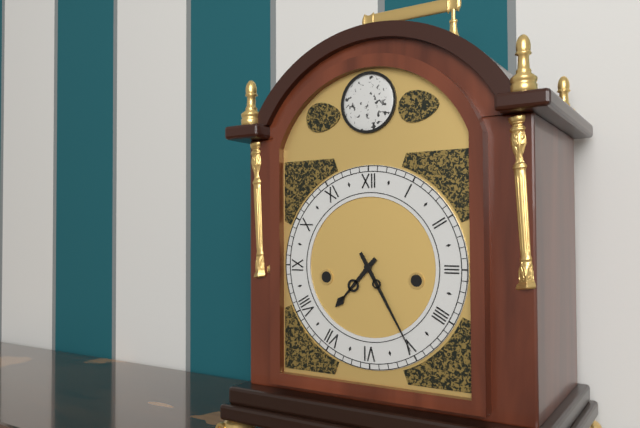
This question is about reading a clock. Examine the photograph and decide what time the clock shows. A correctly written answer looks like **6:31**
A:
**7:25**
